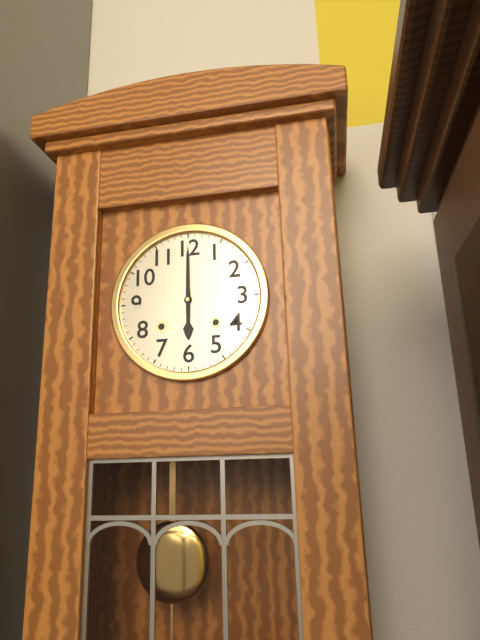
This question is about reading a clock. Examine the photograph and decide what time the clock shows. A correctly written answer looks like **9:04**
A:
**6:00**
